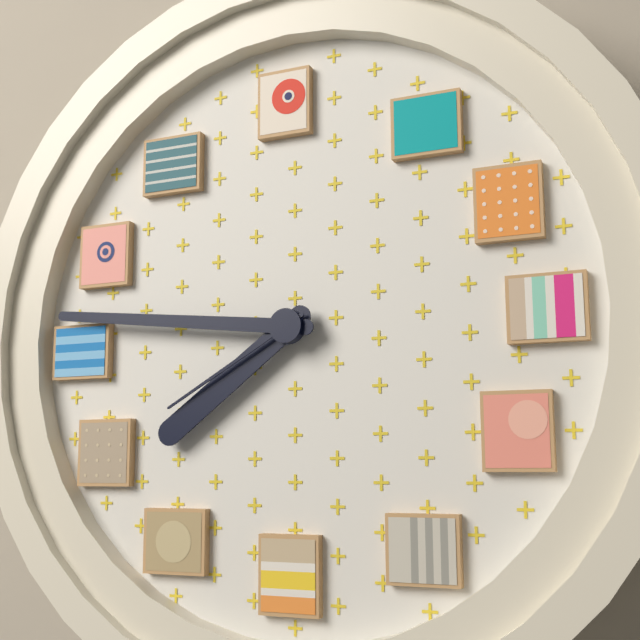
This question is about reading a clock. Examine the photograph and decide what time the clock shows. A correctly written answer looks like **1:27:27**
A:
**7:46:40**
